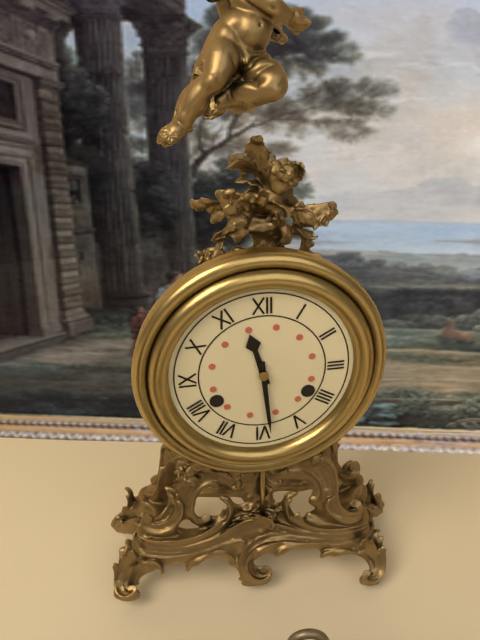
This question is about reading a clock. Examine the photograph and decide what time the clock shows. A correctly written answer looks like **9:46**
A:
**11:29**
